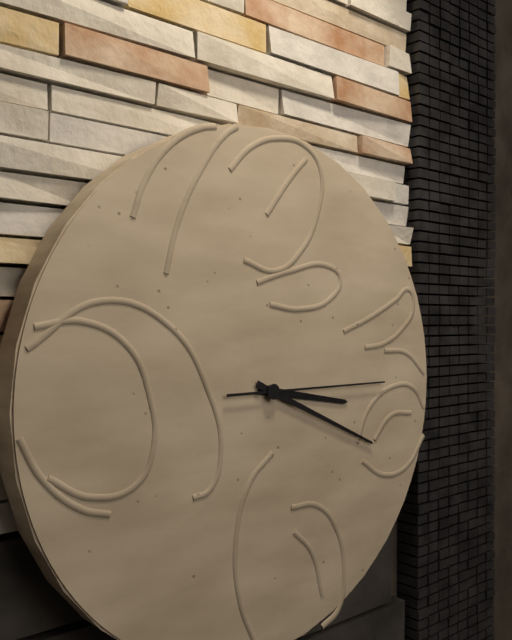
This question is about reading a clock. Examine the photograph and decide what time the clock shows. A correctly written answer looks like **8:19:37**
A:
**3:19:15**
